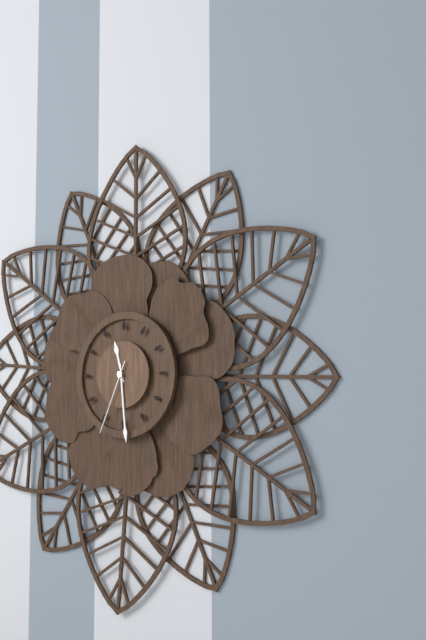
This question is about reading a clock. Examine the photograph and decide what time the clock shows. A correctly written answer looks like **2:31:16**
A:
**11:29:34**
